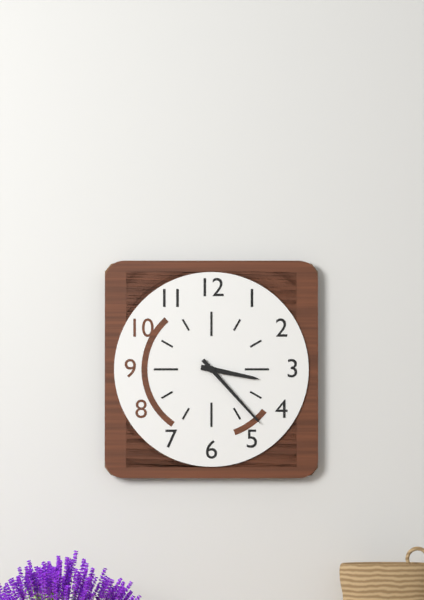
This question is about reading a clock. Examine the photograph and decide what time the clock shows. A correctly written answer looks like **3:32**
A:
**3:23**
